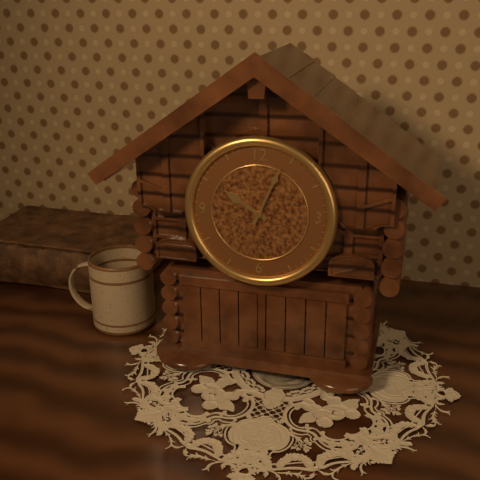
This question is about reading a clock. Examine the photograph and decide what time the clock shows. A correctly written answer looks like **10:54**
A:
**10:04**
